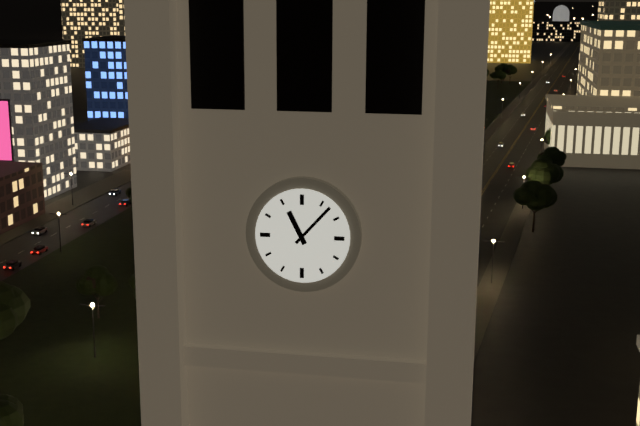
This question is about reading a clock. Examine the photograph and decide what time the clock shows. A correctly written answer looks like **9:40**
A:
**11:07**
